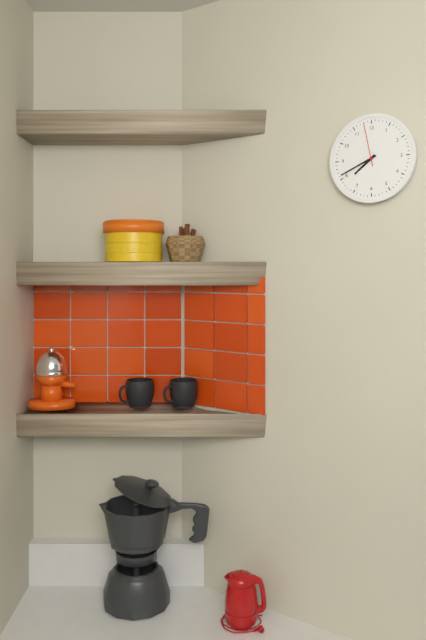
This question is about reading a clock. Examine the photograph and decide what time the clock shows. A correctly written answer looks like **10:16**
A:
**7:41**
